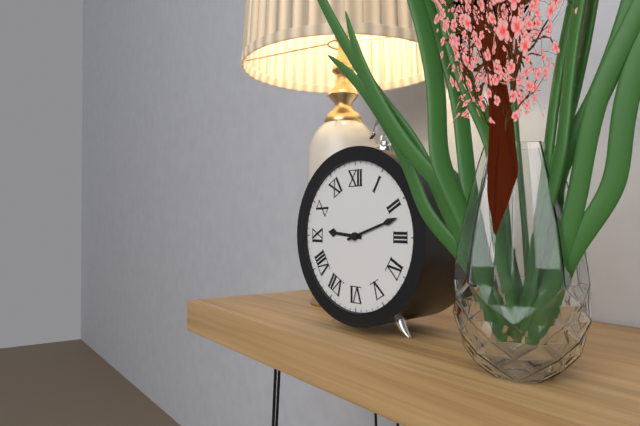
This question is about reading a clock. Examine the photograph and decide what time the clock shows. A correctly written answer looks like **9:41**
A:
**9:12**
